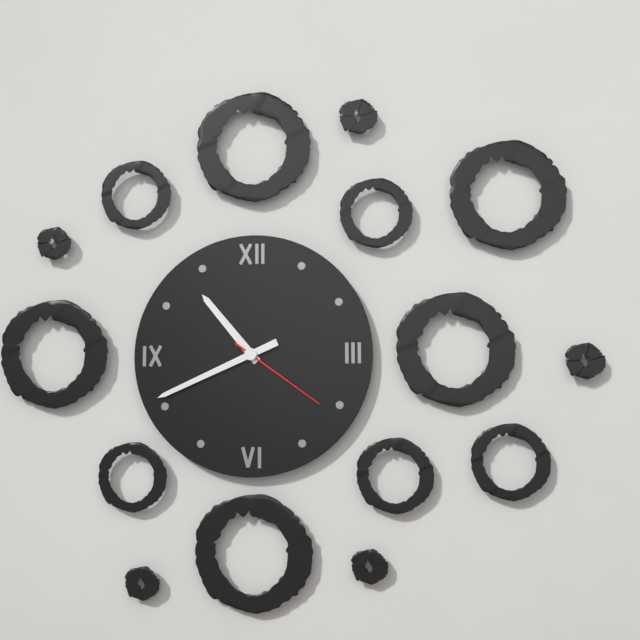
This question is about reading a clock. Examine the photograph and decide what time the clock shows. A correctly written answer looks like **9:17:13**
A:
**10:41:21**
